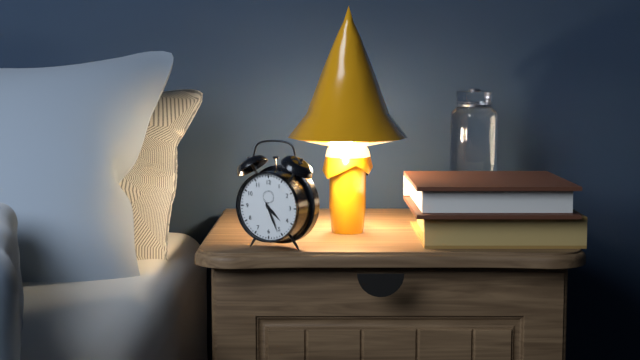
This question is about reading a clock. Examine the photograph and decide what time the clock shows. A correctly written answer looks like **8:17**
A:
**4:26**
